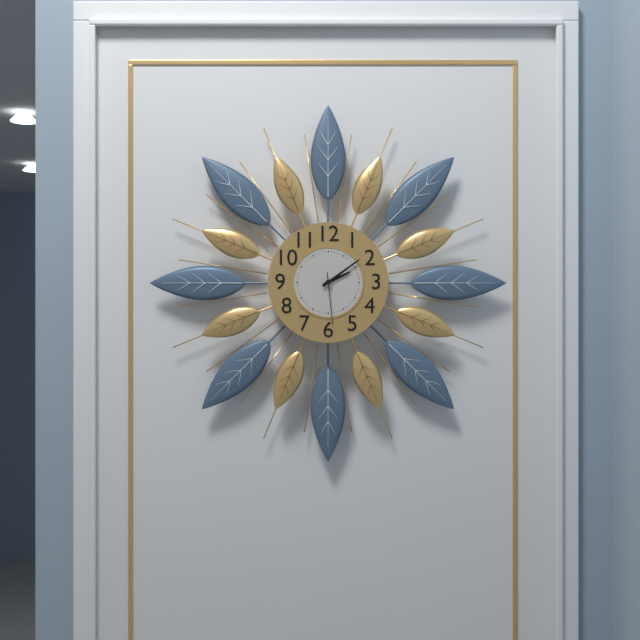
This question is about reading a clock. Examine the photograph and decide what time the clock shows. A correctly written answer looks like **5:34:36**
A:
**2:09:29**
